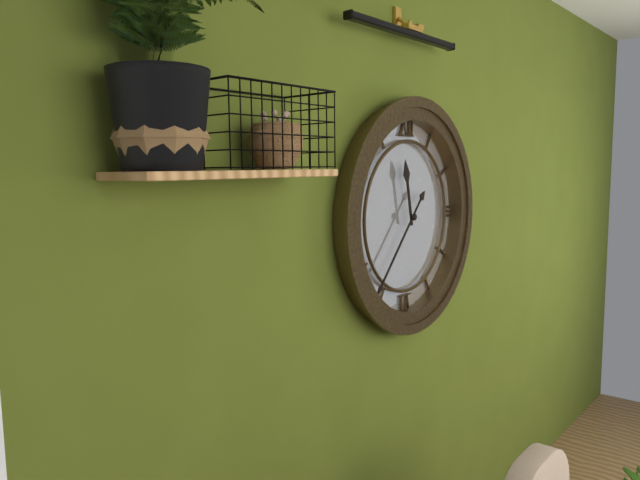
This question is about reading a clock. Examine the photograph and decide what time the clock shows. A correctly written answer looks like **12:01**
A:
**11:37**
